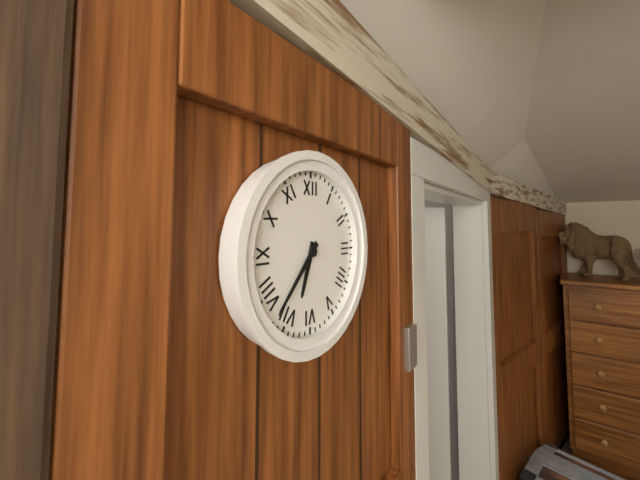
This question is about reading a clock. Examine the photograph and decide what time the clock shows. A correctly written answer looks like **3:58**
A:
**6:37**
